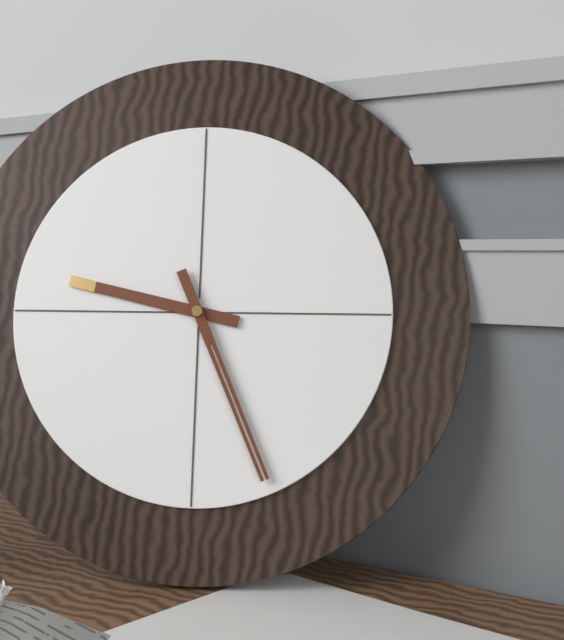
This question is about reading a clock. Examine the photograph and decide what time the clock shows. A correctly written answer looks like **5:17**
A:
**9:26**
